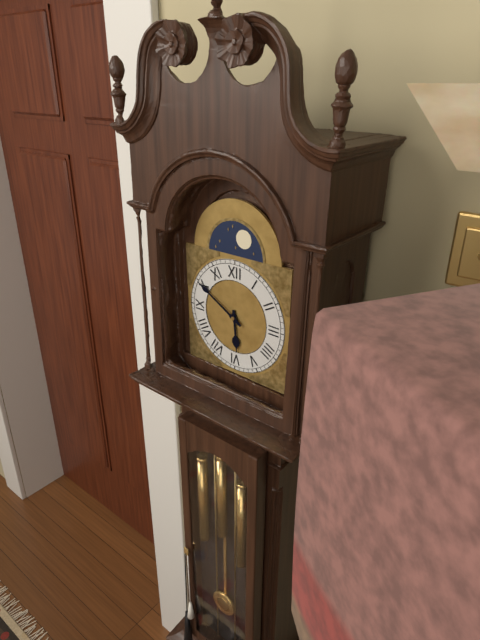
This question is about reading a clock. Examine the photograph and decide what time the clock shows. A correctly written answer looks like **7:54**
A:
**5:50**
